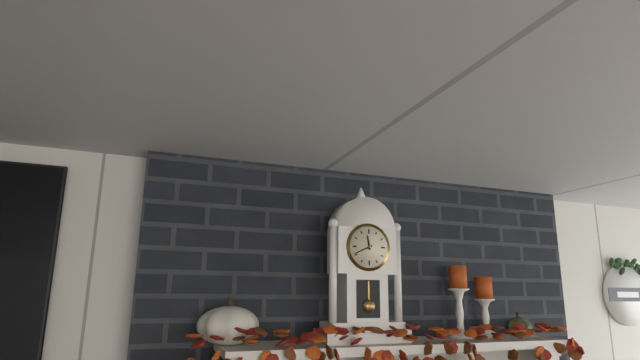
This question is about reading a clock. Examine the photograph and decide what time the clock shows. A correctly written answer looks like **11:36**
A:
**11:41**
